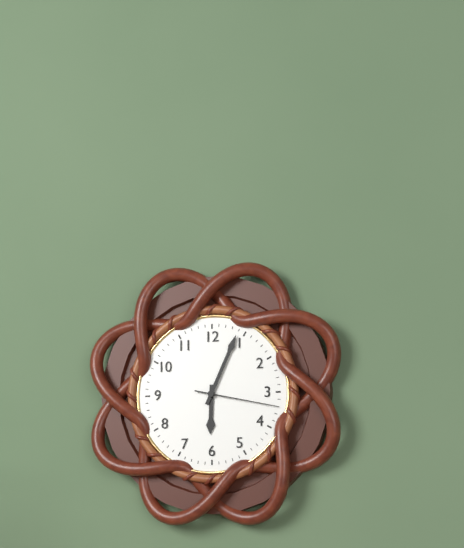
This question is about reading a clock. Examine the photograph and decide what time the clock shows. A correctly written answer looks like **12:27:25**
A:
**6:04:17**
